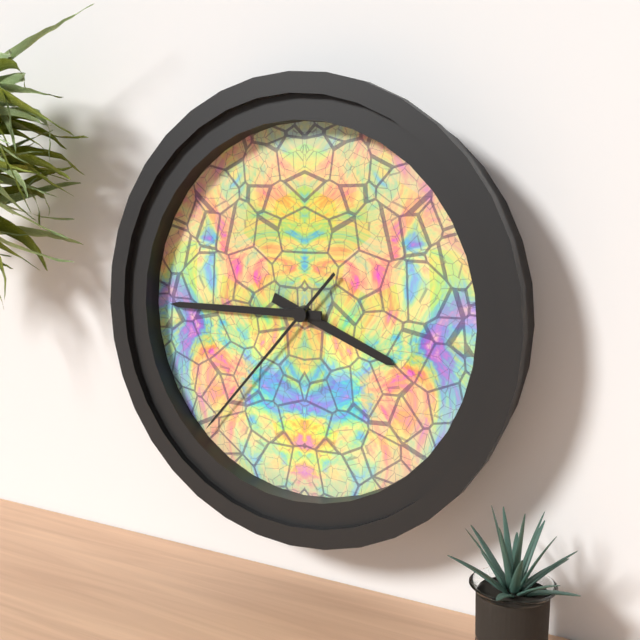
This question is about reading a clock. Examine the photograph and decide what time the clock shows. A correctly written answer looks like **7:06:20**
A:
**3:45:37**
